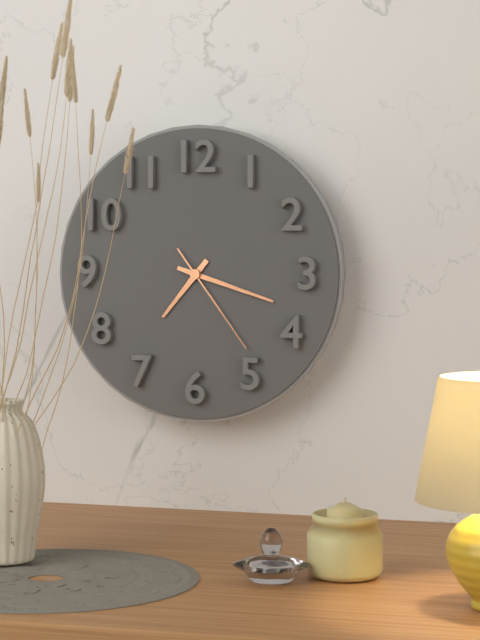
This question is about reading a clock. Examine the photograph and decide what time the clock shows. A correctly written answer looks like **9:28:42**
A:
**7:18:24**
